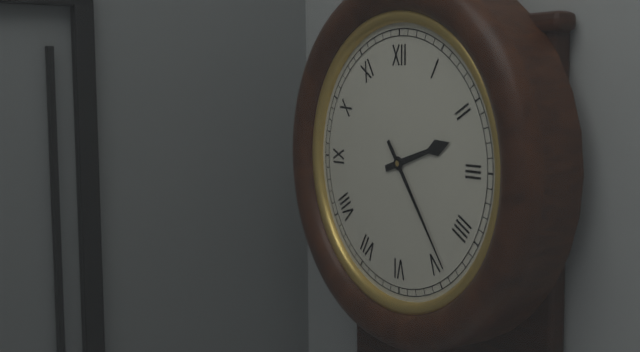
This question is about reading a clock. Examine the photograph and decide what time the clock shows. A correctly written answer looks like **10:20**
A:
**2:24**
